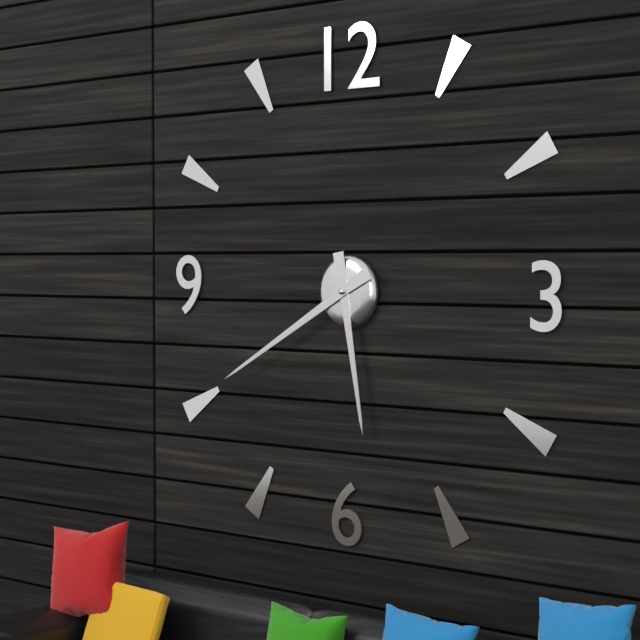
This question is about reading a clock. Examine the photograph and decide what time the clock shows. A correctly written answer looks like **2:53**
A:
**5:40**
